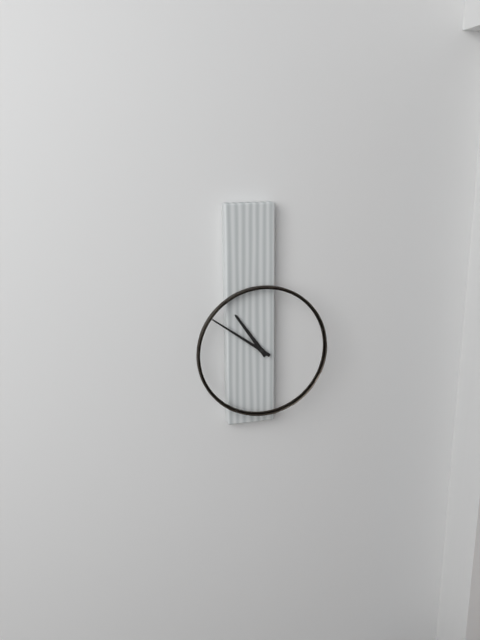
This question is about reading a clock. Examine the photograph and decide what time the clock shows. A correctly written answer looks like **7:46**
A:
**10:51**
